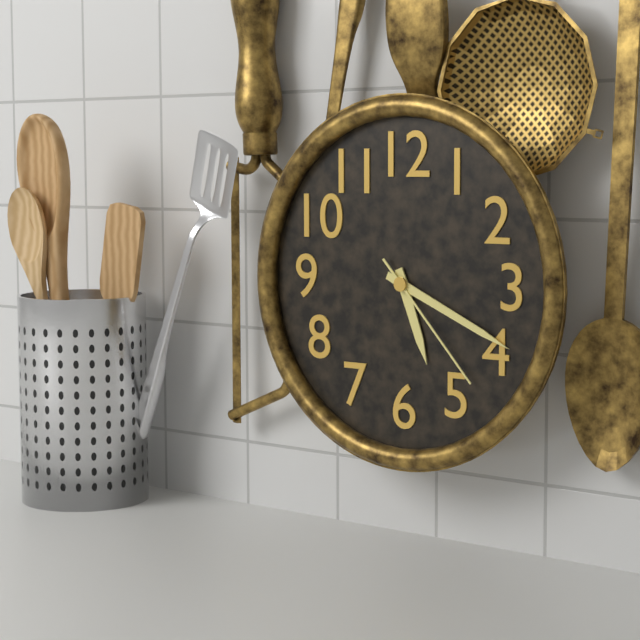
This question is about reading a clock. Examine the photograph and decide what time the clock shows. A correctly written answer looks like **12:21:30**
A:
**5:19:23**
